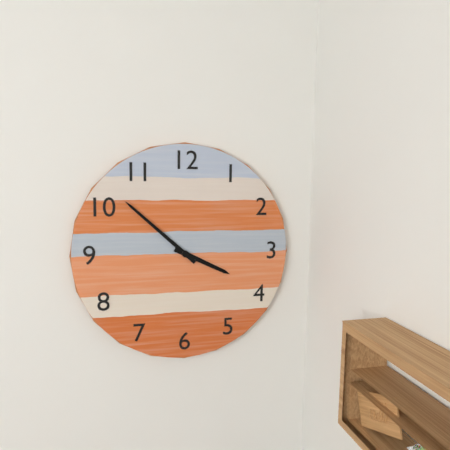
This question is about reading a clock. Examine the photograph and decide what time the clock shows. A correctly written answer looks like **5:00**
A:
**3:52**
